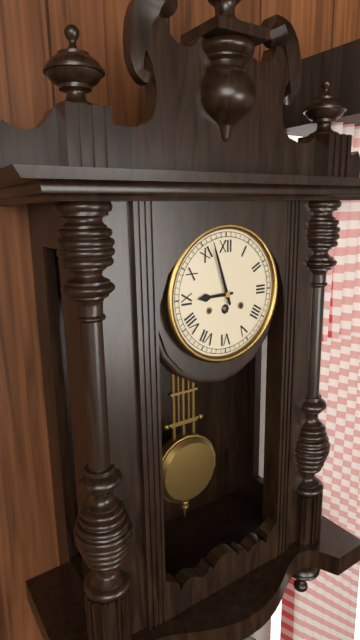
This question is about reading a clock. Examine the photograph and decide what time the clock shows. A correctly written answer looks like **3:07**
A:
**8:57**
